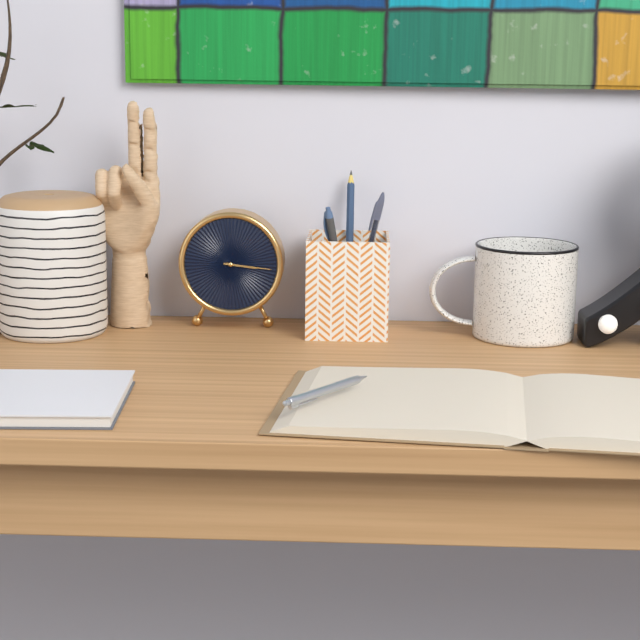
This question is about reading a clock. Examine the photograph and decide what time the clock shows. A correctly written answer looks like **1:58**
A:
**3:16**
